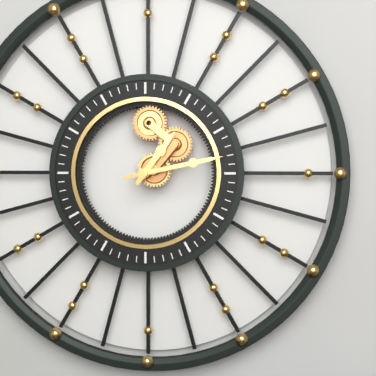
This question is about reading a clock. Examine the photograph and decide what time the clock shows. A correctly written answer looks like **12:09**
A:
**1:13**
